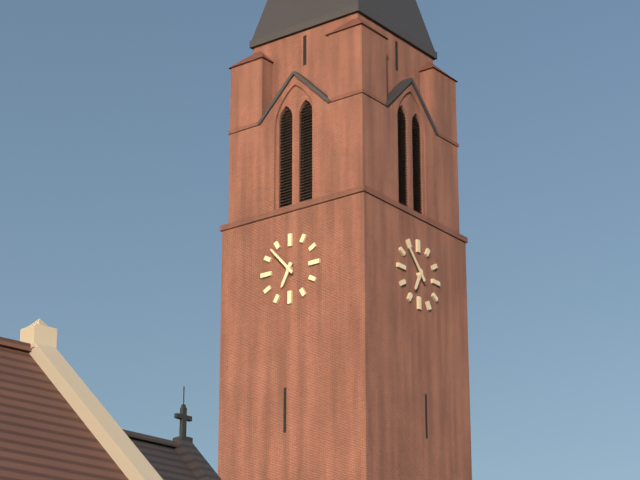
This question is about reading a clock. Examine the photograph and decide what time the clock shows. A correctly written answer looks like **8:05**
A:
**6:53**
